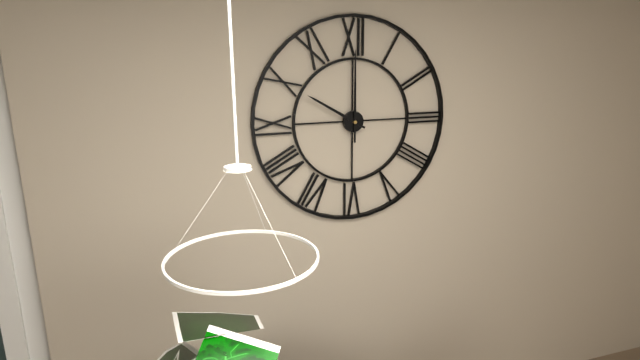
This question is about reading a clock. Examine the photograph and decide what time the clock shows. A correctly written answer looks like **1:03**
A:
**10:00**
